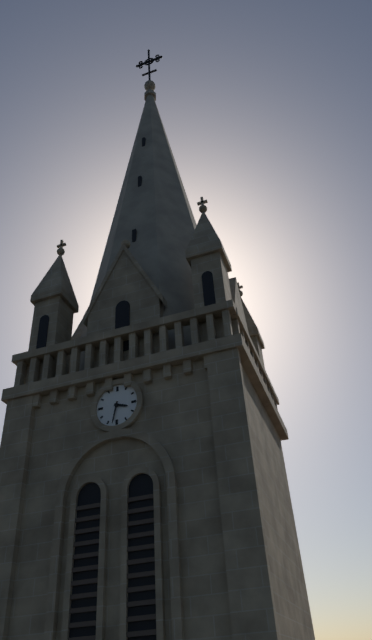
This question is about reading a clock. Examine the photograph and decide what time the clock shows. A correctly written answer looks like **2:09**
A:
**3:32**
